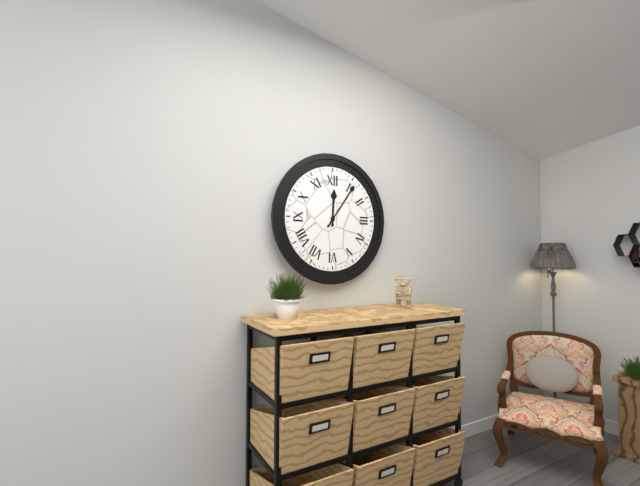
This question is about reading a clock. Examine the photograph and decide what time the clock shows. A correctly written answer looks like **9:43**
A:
**12:06**
